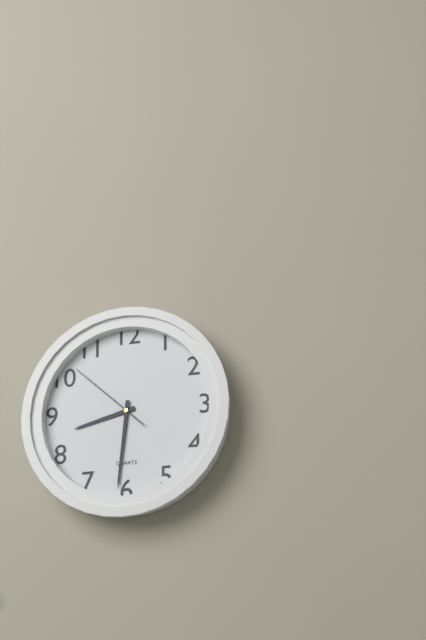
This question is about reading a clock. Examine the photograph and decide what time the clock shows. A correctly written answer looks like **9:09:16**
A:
**8:31:52**
